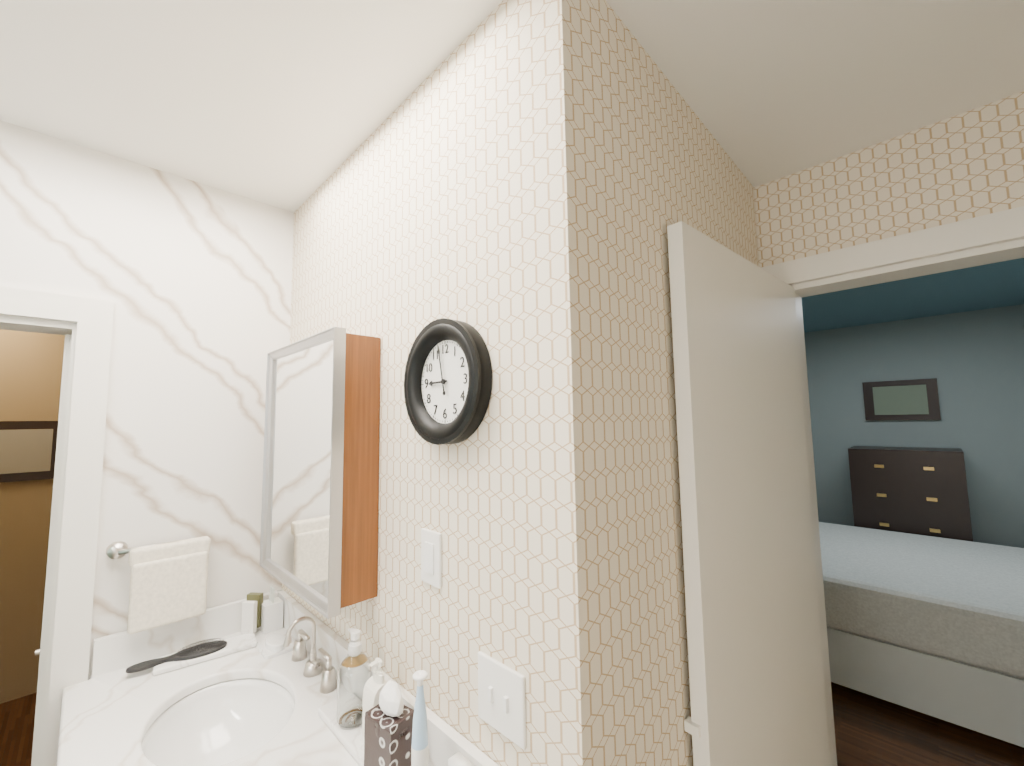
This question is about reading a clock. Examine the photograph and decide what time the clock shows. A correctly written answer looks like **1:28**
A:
**8:58**
